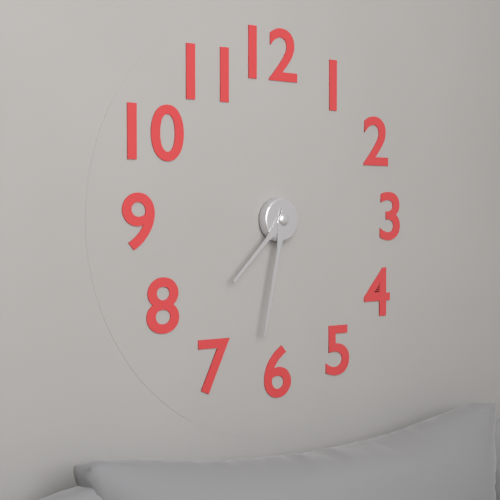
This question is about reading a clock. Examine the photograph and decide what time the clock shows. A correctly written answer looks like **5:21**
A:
**7:32**
